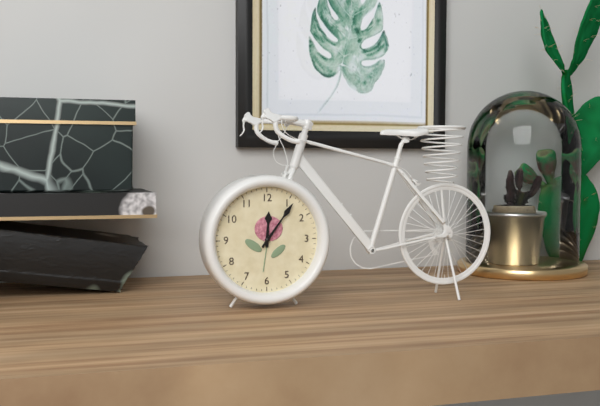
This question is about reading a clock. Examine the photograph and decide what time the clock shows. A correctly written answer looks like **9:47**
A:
**12:06**
